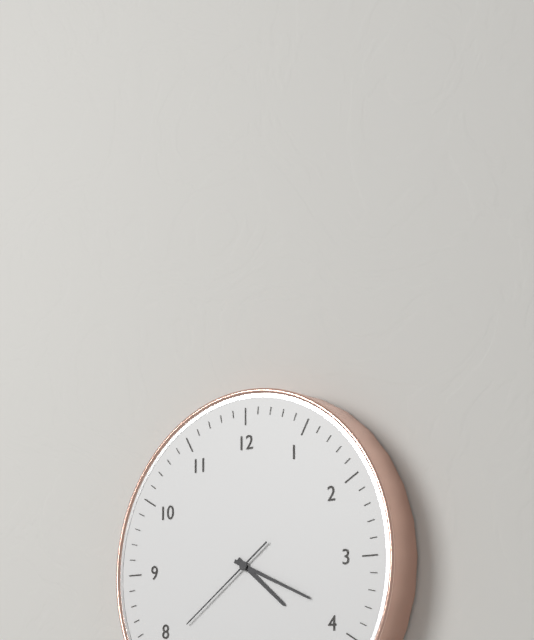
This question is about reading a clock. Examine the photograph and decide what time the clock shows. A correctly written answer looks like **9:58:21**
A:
**4:19:39**
